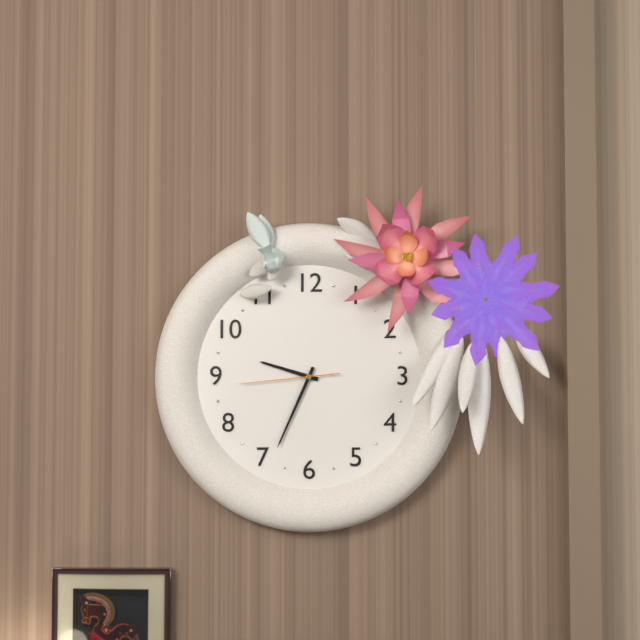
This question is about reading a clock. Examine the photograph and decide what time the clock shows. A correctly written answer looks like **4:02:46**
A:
**9:34:44**
